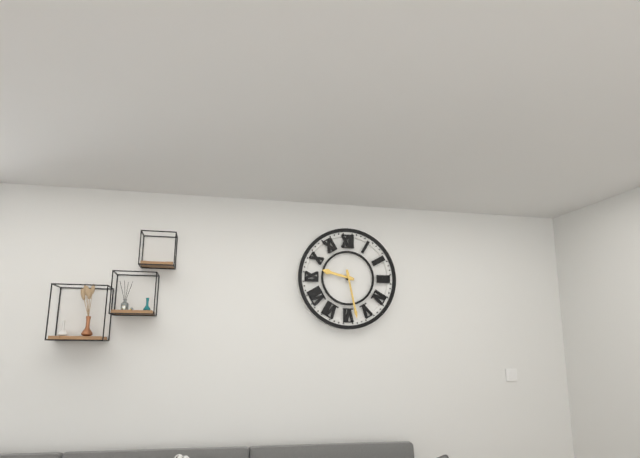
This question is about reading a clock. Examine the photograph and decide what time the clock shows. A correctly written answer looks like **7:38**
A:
**9:28**
